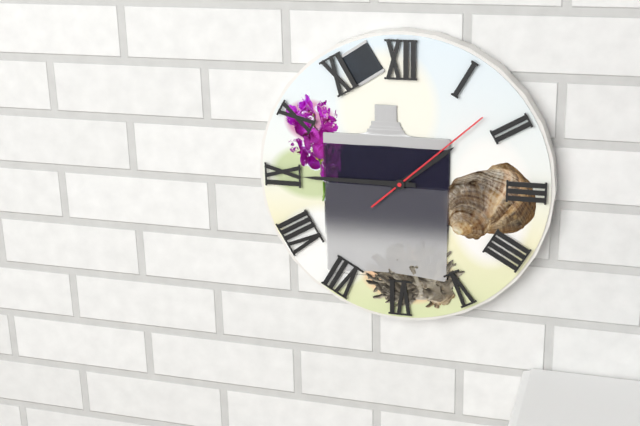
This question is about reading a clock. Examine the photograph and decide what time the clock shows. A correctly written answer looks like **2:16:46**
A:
**1:45:08**
